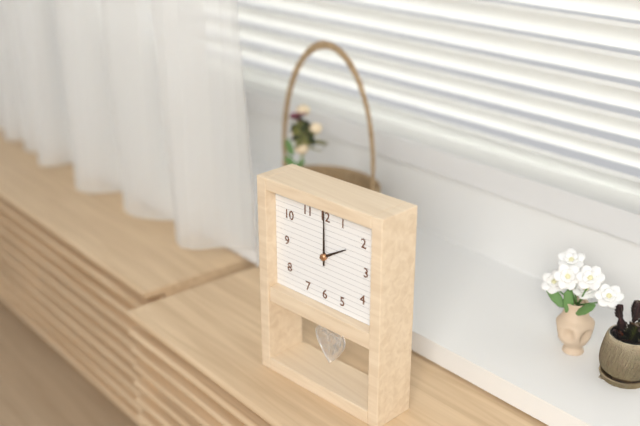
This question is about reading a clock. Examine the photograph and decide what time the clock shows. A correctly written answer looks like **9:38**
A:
**2:00**
